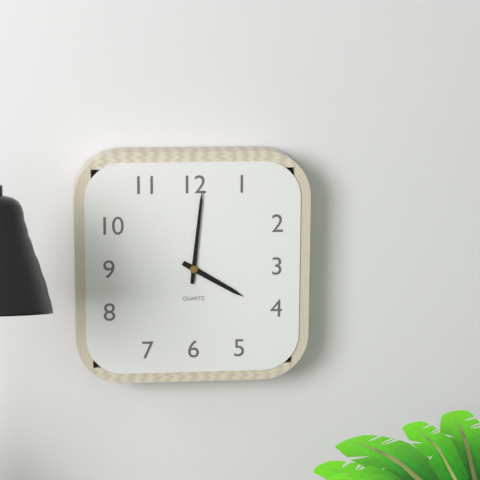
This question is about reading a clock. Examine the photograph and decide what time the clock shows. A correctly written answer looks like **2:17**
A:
**4:01**
